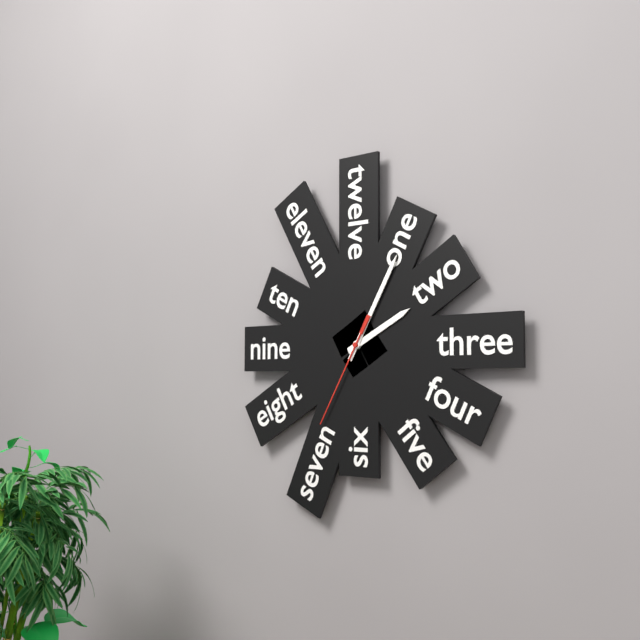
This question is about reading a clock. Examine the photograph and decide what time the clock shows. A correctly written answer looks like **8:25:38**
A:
**2:05:35**
